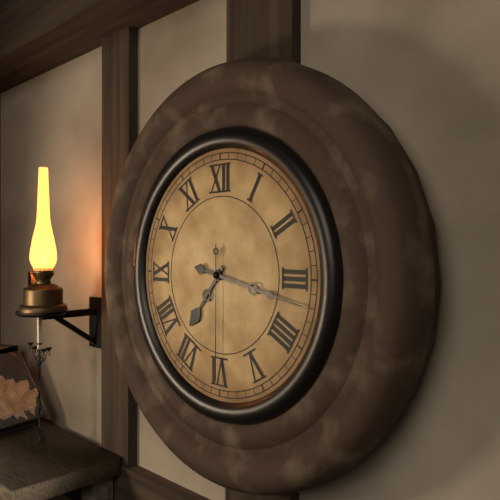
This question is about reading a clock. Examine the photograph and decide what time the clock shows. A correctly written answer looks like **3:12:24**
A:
**7:17:30**
